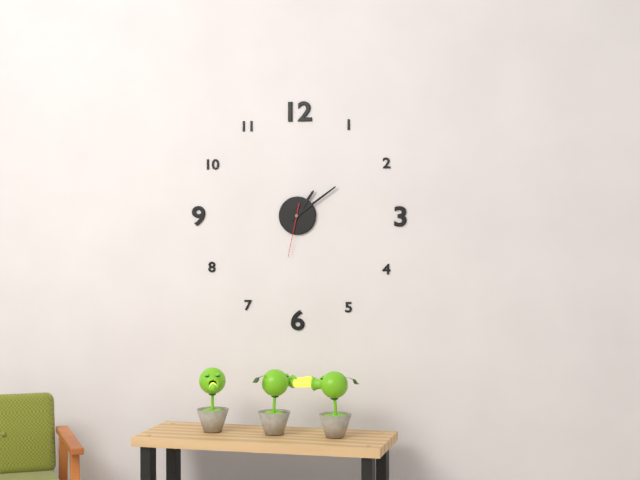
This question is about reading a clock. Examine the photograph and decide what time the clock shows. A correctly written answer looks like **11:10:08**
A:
**1:09:32**
